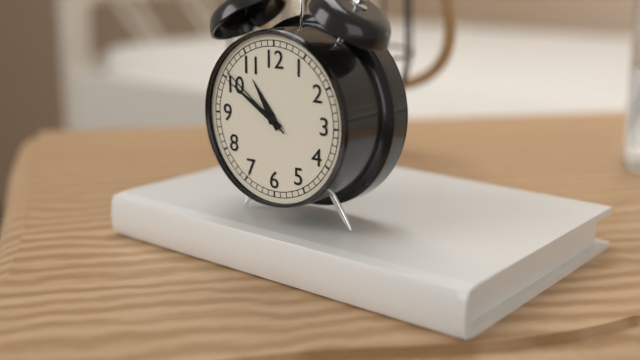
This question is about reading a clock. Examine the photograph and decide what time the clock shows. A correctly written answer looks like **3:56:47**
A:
**10:50:51**
